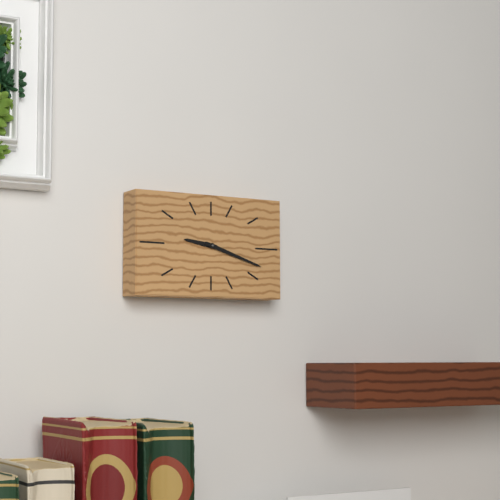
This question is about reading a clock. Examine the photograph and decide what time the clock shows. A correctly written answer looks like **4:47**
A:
**9:18**
